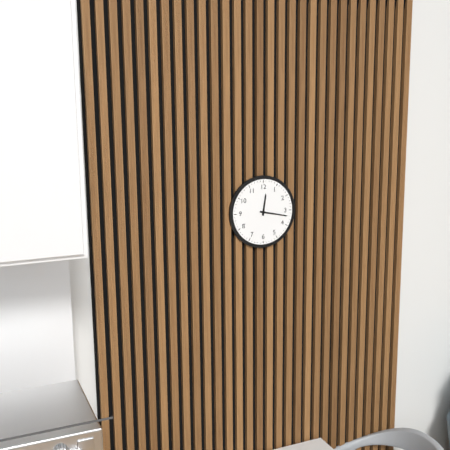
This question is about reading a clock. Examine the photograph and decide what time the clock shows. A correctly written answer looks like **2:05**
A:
**12:17**
